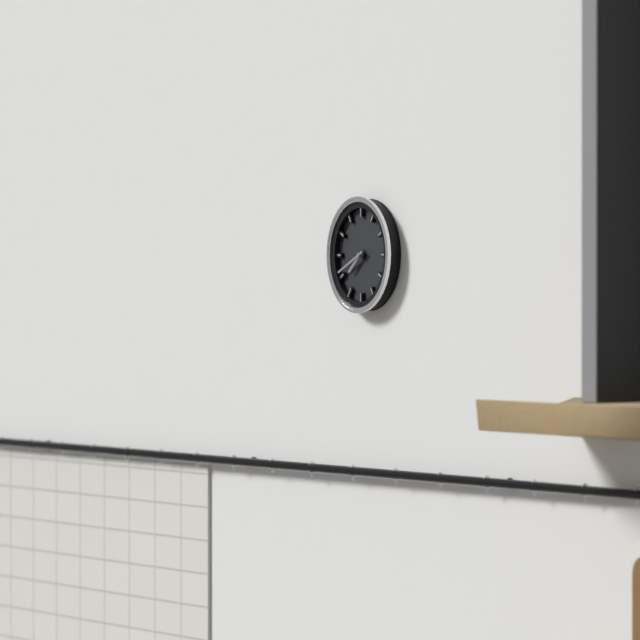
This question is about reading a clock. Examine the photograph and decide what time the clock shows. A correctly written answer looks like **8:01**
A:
**7:41**
